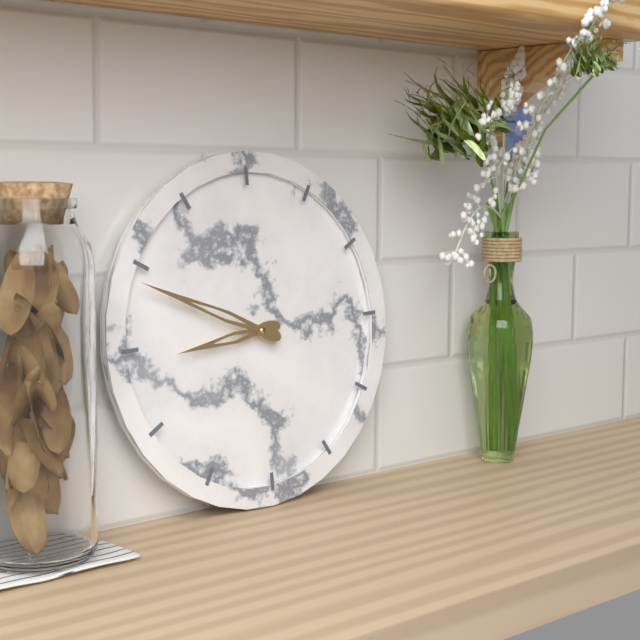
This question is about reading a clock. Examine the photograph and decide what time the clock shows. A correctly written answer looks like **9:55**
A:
**8:49**
